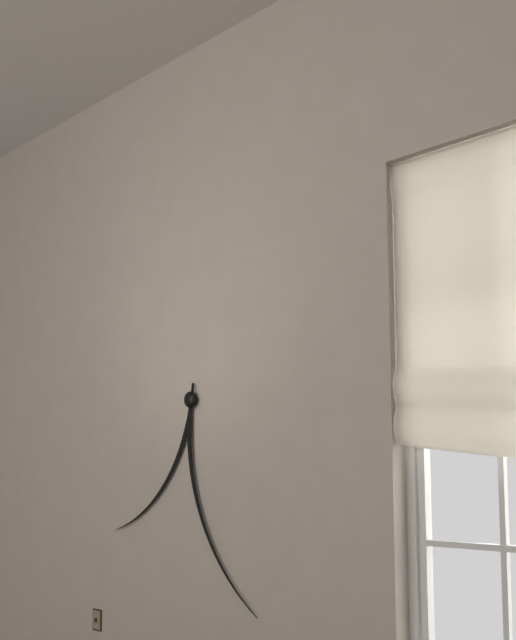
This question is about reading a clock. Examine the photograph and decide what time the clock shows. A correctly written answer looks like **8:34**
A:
**7:26**
